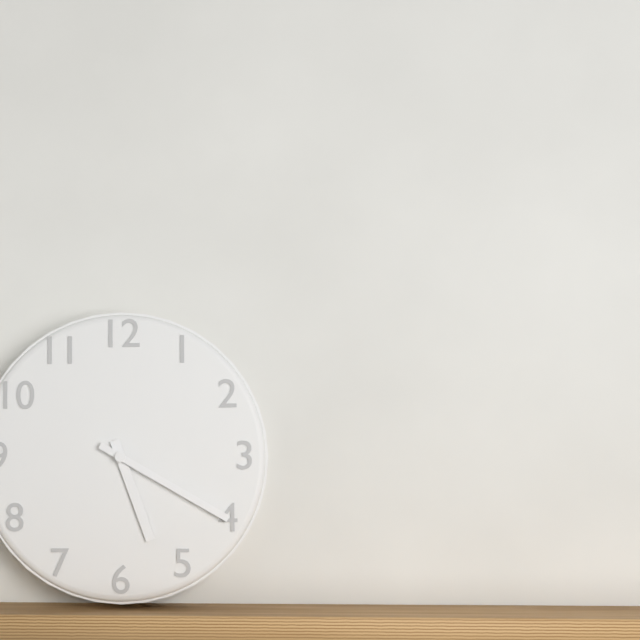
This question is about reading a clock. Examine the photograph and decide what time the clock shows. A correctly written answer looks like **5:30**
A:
**5:20**
